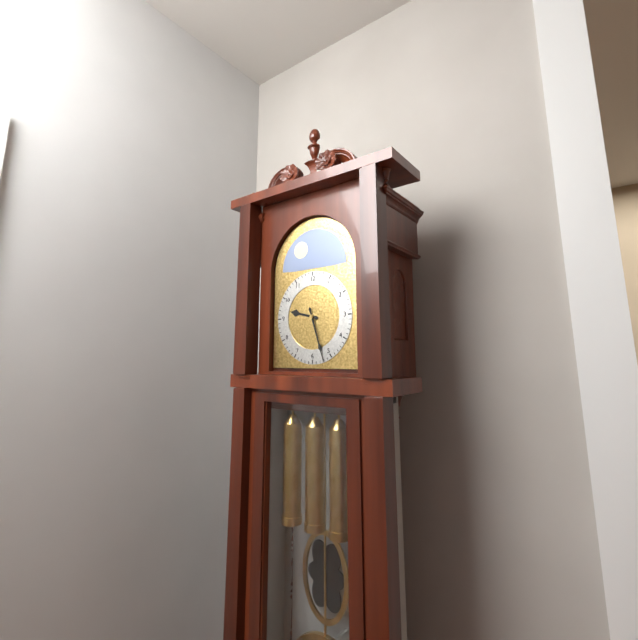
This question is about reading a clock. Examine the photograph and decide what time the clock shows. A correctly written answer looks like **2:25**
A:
**9:27**
